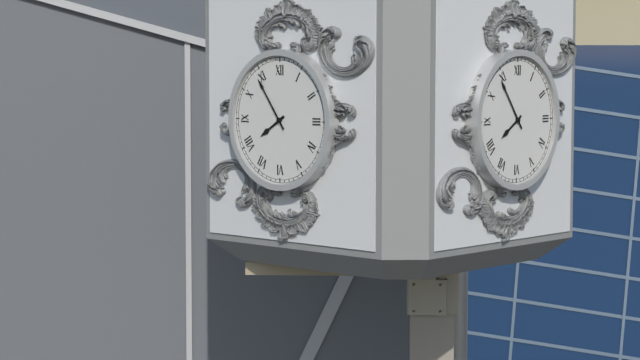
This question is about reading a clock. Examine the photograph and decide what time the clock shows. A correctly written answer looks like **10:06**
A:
**7:54**
